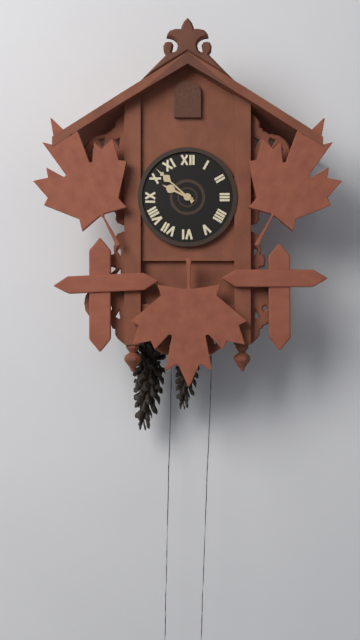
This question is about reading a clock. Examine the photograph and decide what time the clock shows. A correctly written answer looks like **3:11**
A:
**9:52**
